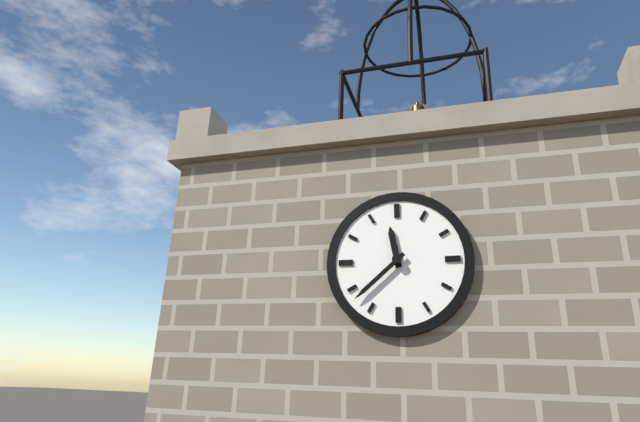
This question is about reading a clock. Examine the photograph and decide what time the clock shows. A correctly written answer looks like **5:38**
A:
**11:38**
